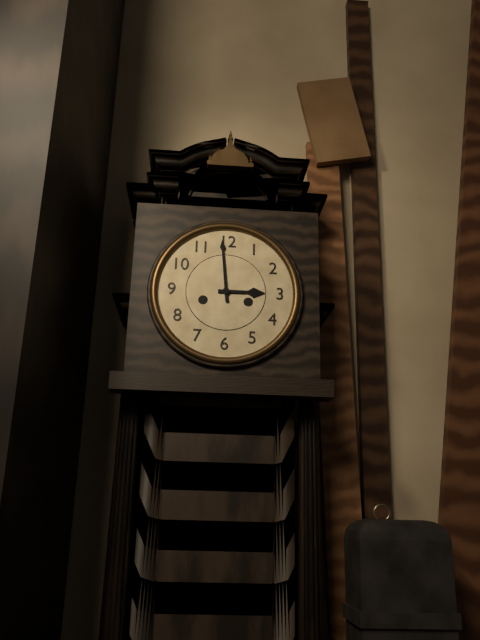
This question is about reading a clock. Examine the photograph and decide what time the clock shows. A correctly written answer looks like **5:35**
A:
**2:59**
